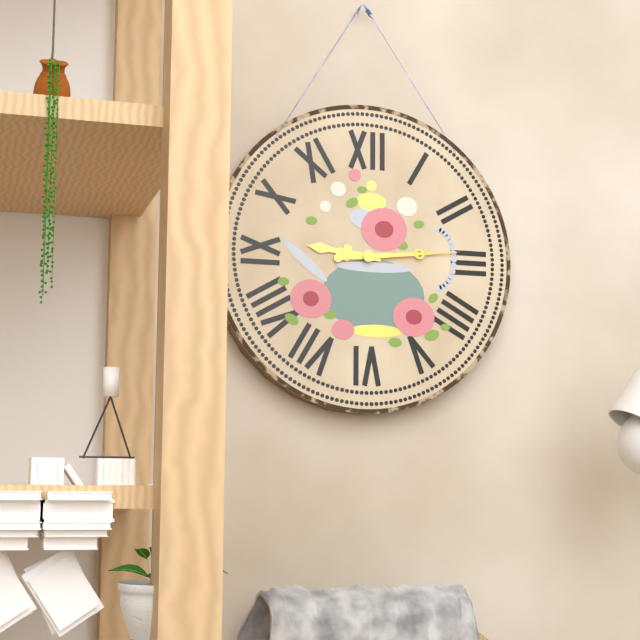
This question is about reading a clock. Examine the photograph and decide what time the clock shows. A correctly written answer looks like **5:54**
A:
**9:14**
